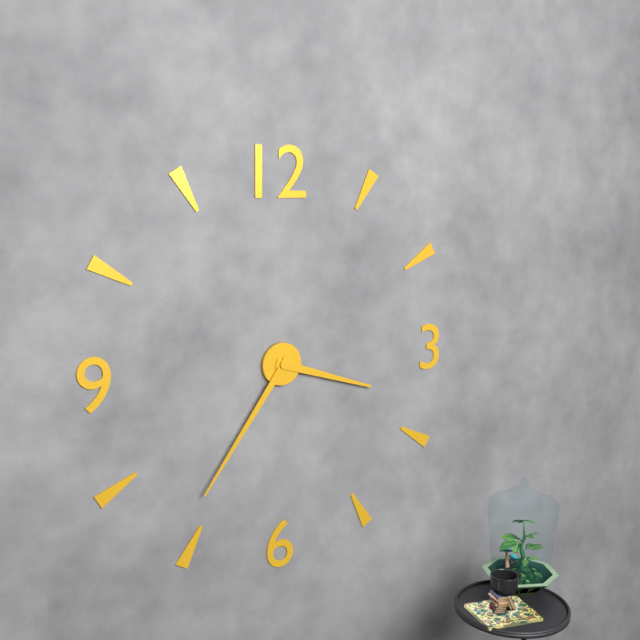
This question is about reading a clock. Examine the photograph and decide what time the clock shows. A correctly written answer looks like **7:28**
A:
**3:36**
